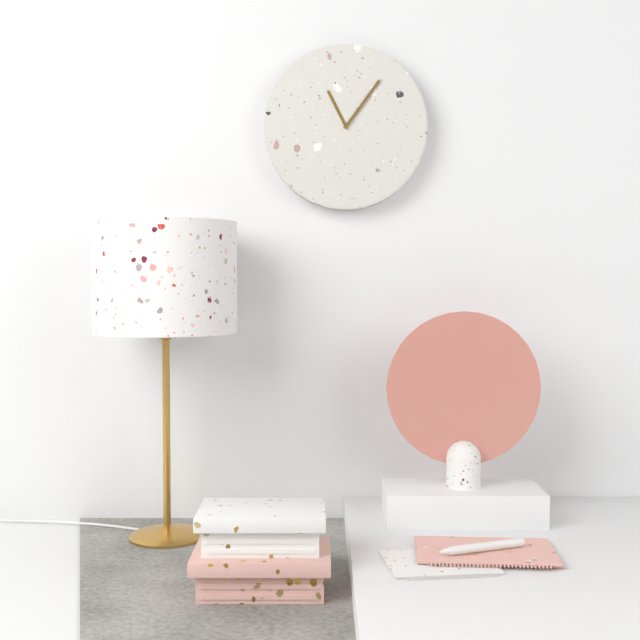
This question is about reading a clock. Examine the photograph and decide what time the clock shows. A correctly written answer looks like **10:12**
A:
**11:06**
